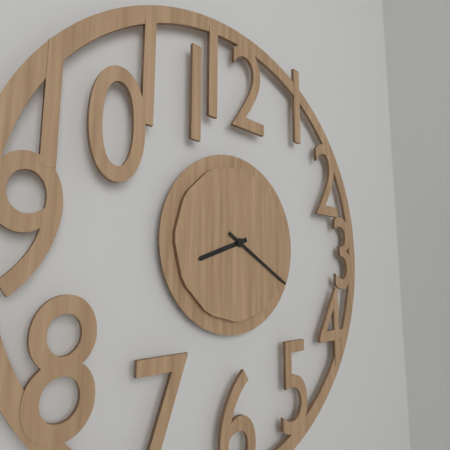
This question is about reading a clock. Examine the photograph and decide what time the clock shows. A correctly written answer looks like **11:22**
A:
**8:20**
